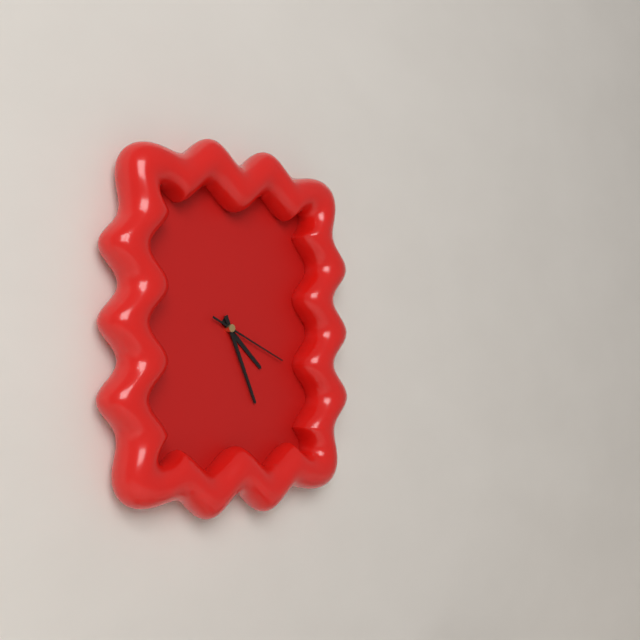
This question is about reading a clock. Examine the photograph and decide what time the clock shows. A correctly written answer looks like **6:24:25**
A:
**4:26:19**
